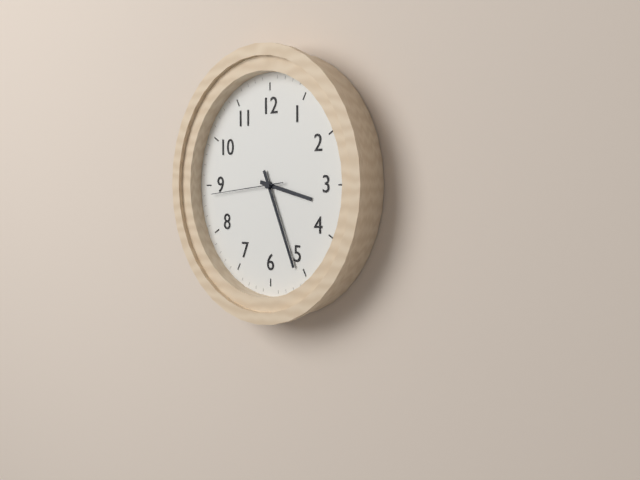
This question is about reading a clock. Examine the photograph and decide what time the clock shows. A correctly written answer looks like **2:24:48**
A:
**3:26:44**
